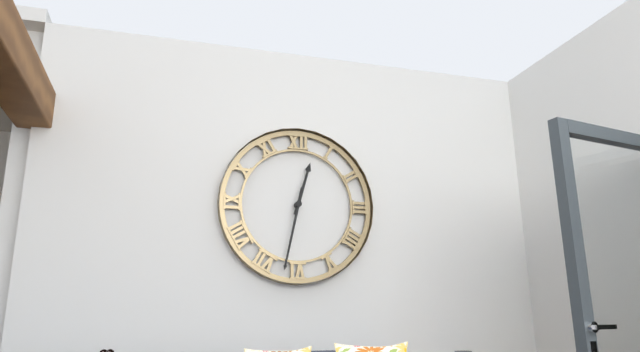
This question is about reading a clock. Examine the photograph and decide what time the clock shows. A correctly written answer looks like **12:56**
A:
**12:32**
